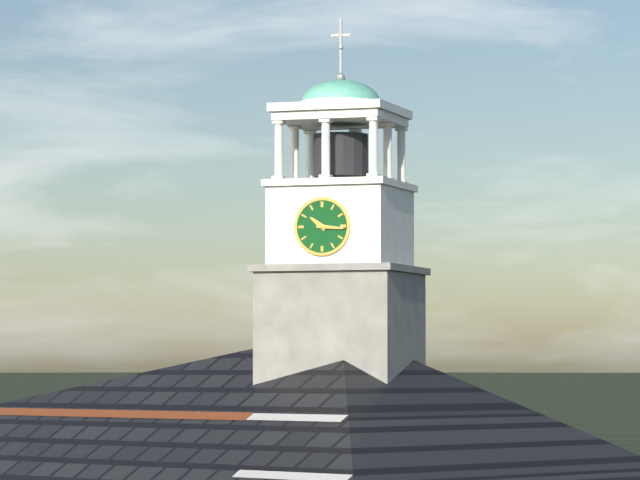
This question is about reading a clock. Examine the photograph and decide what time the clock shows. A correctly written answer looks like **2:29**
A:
**10:16**
